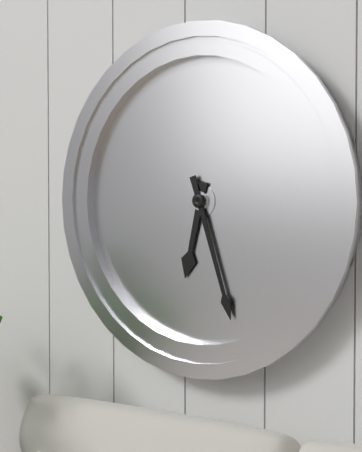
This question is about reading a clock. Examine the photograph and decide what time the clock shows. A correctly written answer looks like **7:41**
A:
**6:27**
